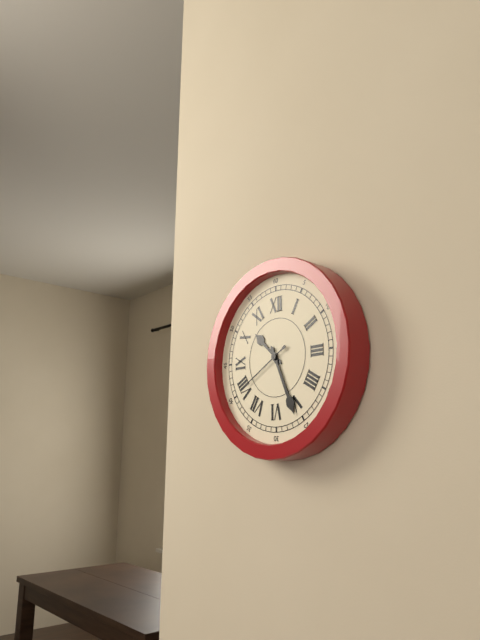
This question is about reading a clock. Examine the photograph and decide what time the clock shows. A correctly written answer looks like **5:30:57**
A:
**10:26:40**
